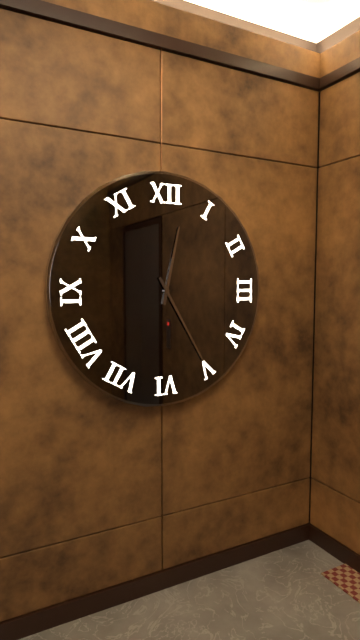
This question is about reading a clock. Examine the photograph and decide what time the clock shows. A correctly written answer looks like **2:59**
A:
**12:25**
